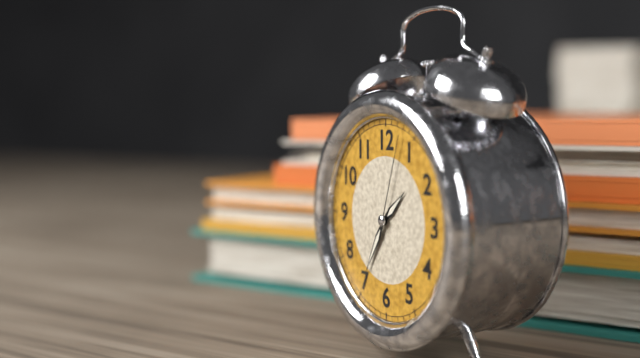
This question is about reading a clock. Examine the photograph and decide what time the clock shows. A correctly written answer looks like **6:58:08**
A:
**1:35:03**
